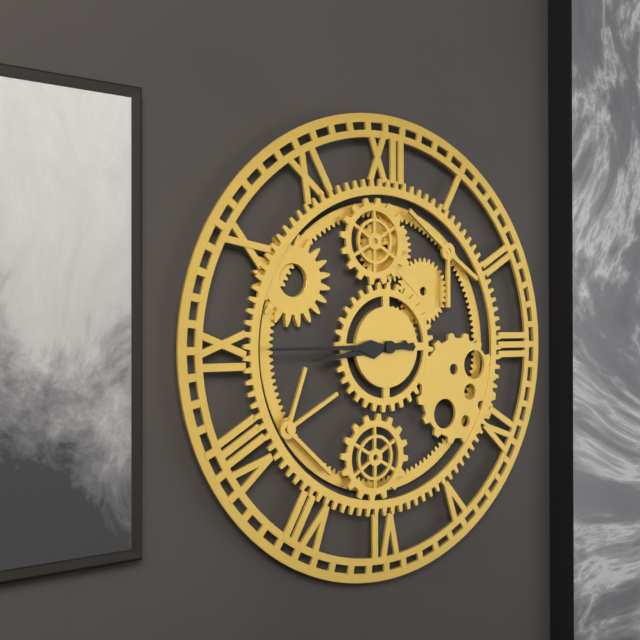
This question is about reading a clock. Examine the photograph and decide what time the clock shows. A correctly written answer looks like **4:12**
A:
**8:45**
